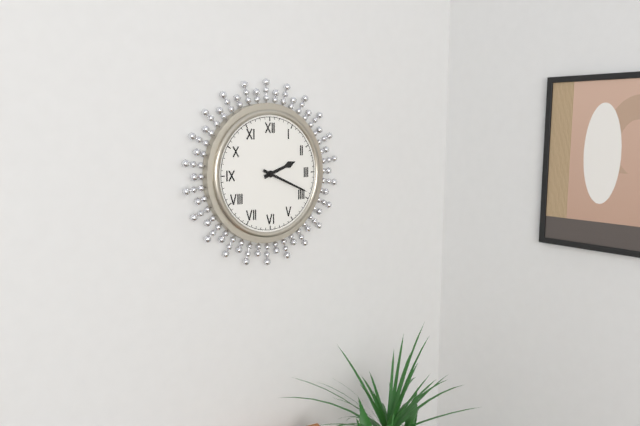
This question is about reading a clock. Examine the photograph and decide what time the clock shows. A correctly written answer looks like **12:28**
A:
**2:19**
